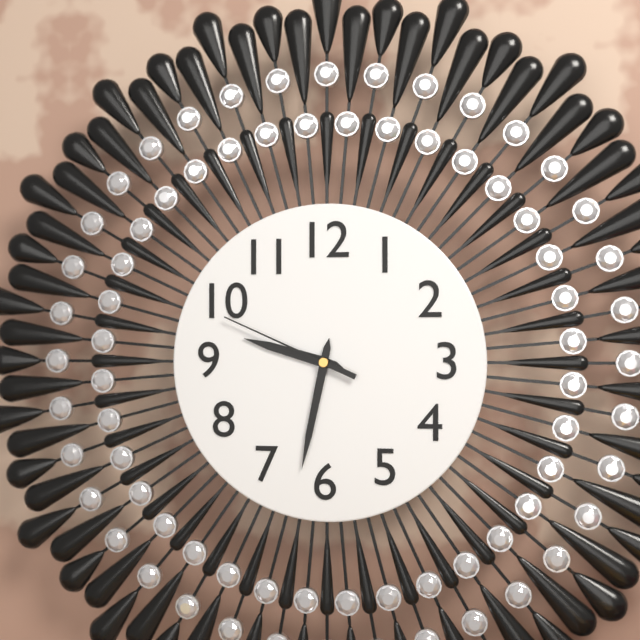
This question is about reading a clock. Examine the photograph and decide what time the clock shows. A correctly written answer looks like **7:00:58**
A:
**9:32:49**
